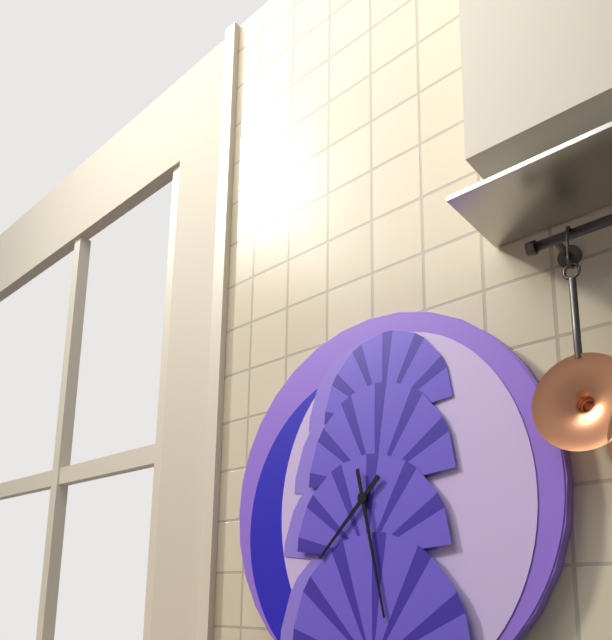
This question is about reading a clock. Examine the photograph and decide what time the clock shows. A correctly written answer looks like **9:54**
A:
**7:28**
